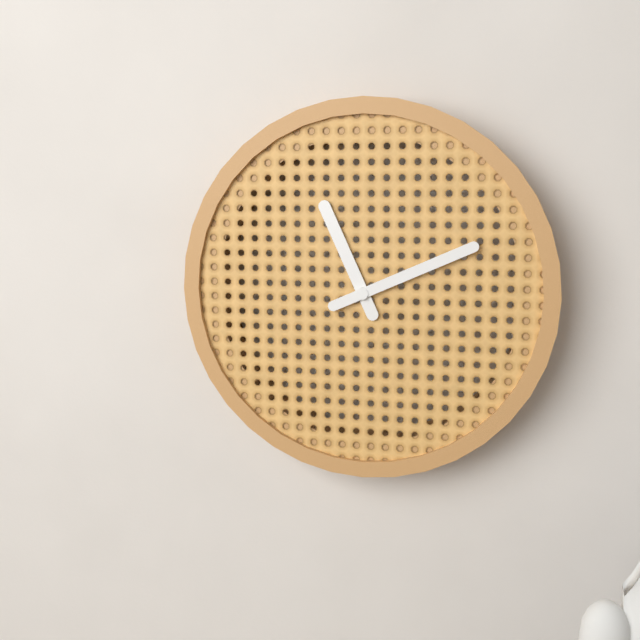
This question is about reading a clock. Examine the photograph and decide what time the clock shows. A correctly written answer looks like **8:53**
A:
**11:11**
